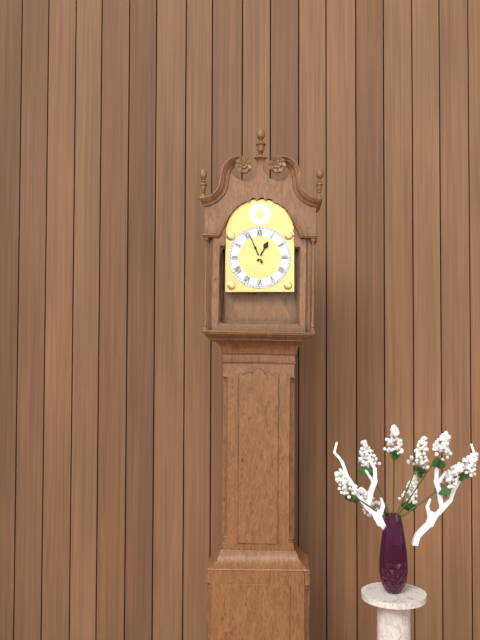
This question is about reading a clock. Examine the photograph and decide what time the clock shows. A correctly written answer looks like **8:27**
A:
**12:56**
